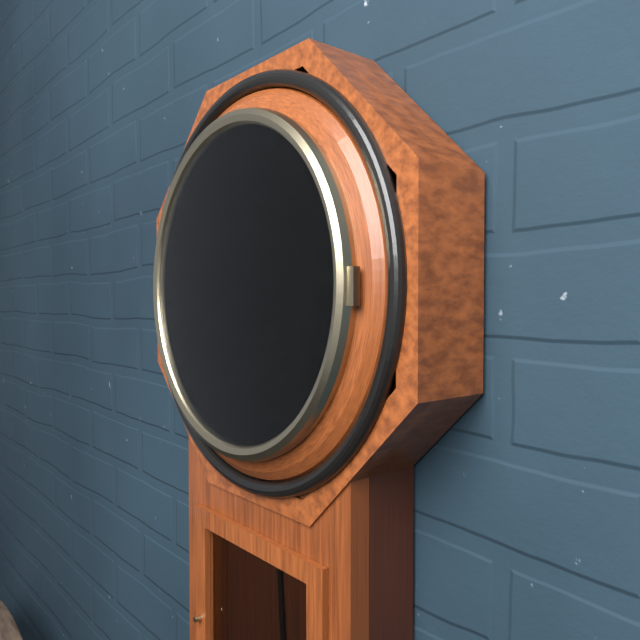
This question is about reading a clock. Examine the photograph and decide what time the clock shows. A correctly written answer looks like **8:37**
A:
**6:18**
